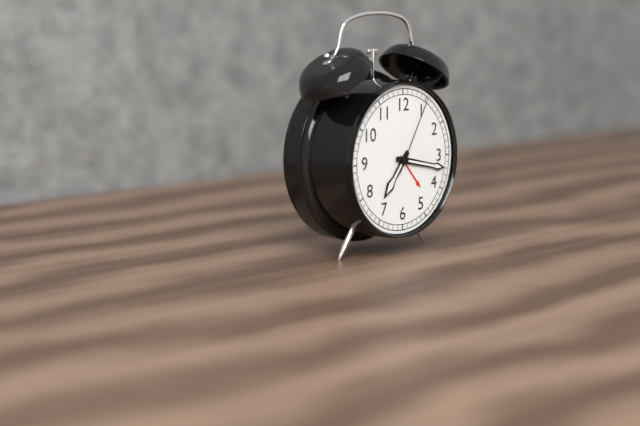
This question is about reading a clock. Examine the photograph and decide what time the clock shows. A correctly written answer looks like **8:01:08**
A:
**7:17:05**
